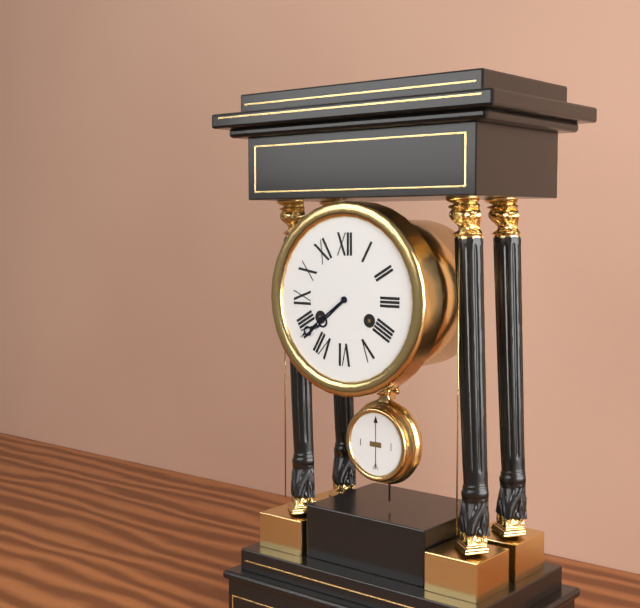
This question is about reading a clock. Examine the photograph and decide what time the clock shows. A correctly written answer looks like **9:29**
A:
**7:39**
